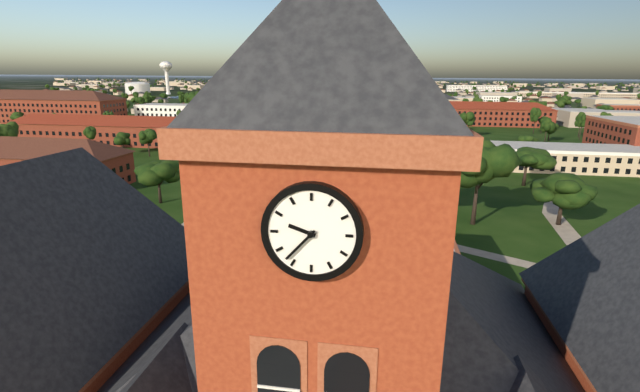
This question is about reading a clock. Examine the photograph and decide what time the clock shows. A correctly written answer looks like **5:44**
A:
**9:37**
